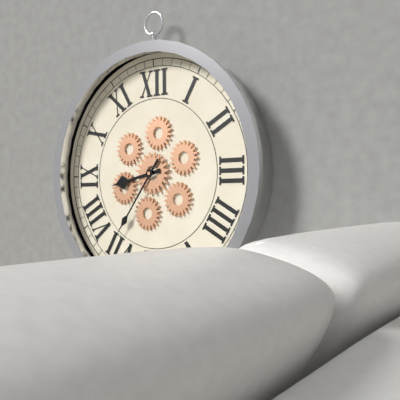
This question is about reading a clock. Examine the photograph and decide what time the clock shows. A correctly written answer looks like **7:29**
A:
**8:36**
